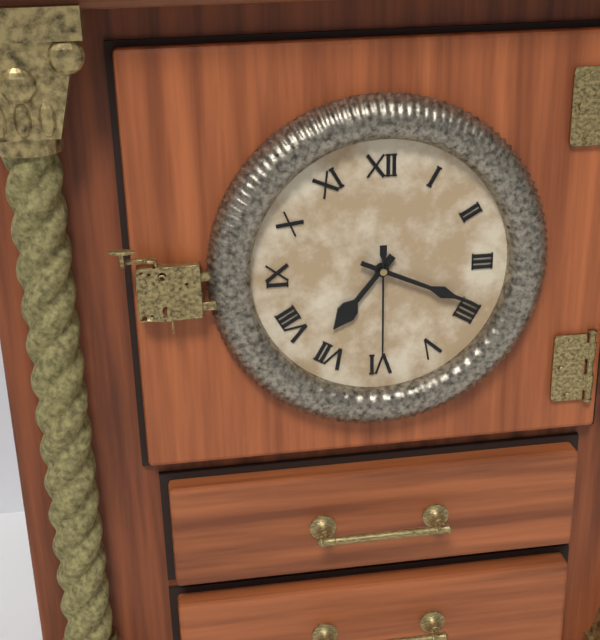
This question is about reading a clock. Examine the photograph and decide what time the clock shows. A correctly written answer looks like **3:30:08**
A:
**7:19:30**
